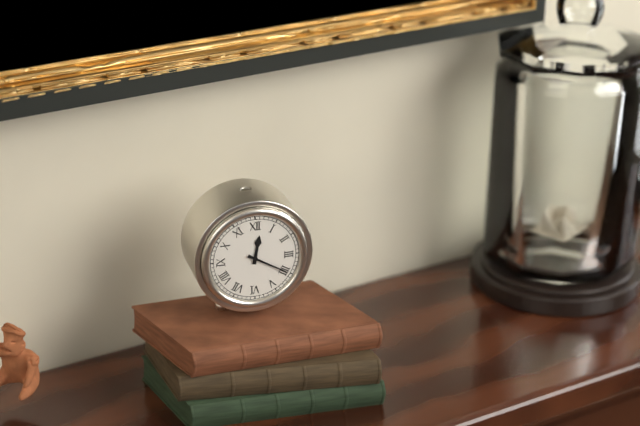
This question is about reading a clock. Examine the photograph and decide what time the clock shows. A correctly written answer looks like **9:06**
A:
**12:20**
